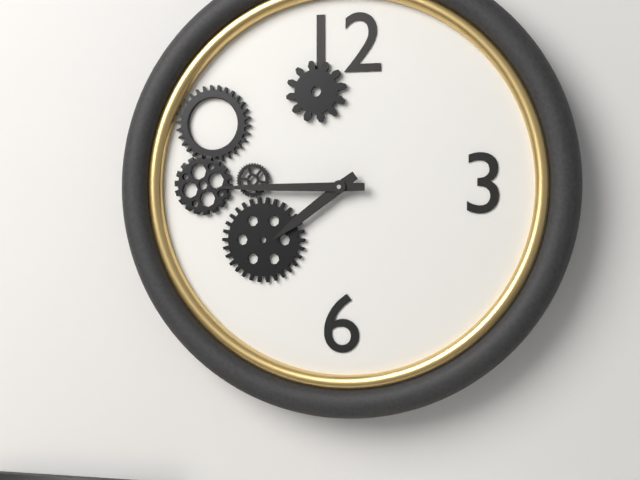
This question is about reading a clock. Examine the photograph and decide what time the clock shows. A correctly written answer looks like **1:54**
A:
**7:45**
